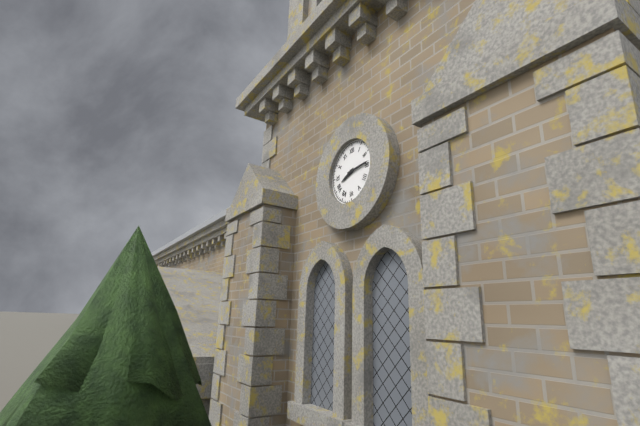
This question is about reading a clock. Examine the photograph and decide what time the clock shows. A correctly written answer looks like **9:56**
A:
**8:14**
